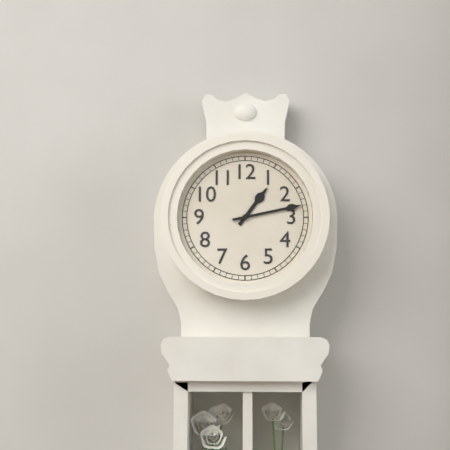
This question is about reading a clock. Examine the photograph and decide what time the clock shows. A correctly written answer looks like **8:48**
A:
**1:13**
